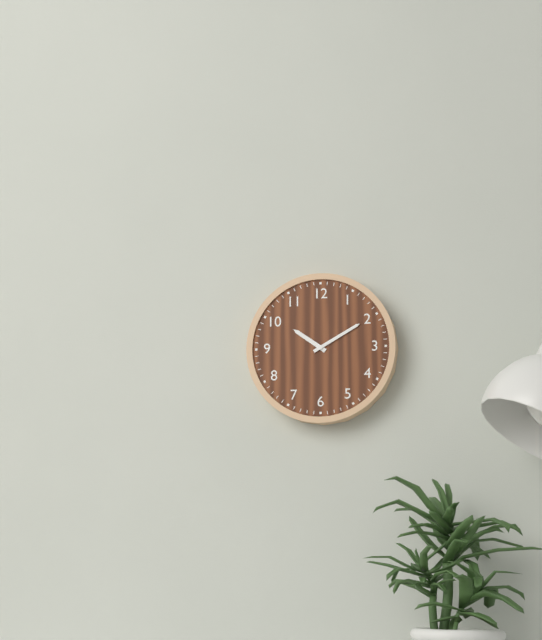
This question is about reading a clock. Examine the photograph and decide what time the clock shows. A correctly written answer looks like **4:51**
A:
**10:10**
